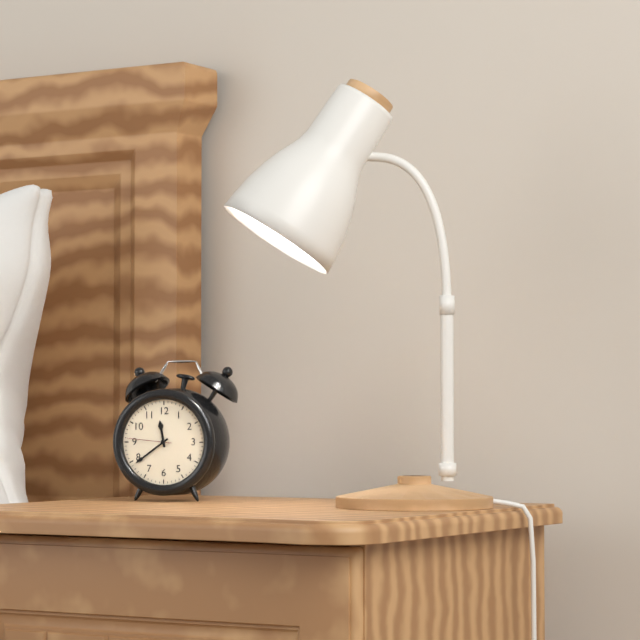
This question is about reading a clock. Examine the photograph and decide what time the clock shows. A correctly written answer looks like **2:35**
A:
**11:39**
